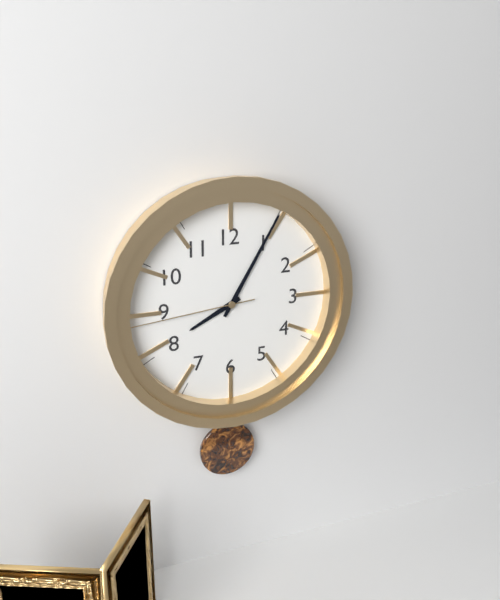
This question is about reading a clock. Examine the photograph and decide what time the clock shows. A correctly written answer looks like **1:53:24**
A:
**8:05:44**
